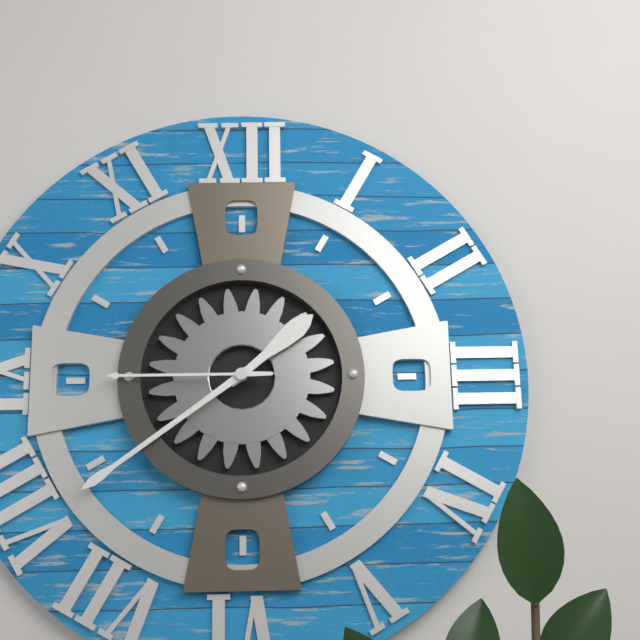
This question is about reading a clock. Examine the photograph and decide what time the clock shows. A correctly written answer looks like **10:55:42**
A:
**1:39:45**
